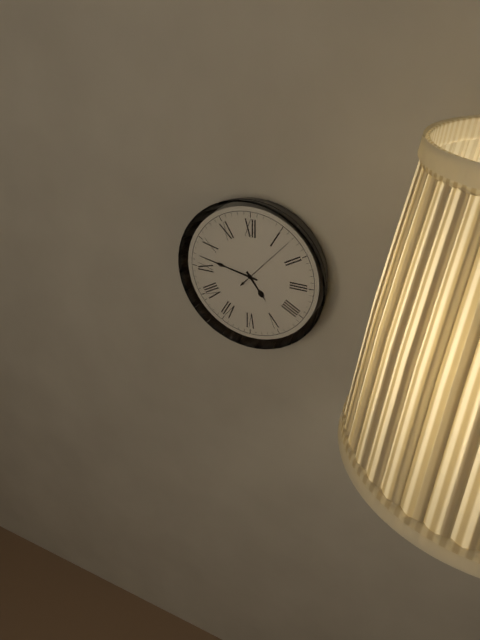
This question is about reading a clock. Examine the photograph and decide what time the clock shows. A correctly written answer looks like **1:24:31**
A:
**4:47:07**
